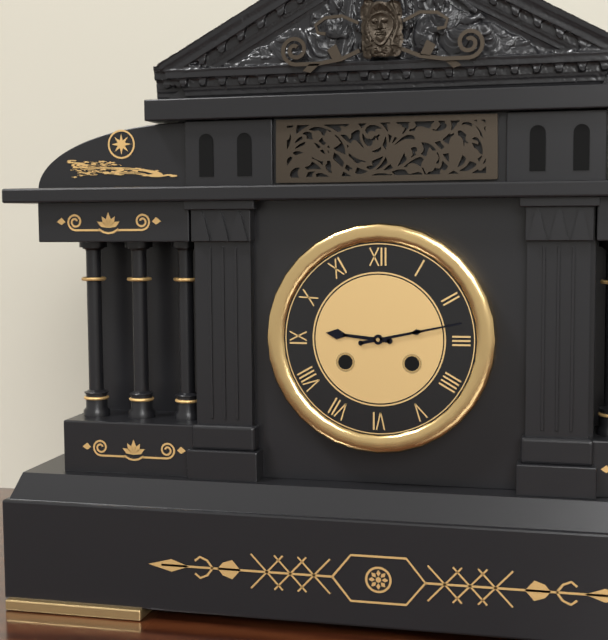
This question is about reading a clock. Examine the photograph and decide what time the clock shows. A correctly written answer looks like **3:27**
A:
**9:13**
